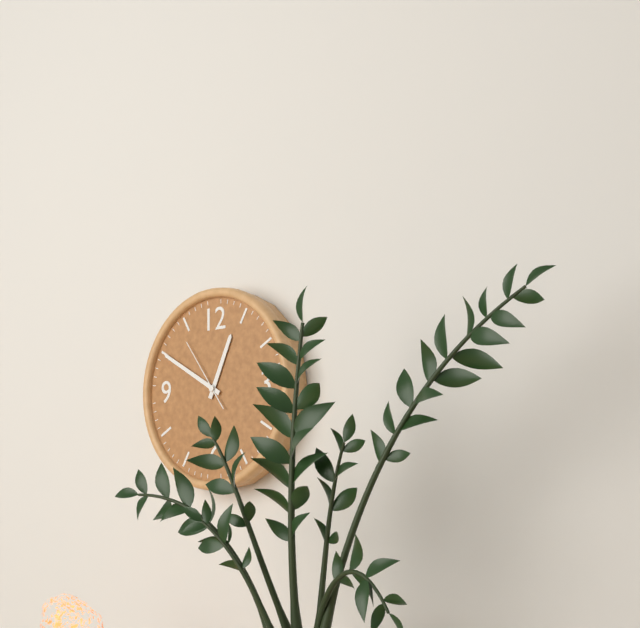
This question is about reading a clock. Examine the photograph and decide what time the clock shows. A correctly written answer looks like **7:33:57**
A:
**12:50:54**
